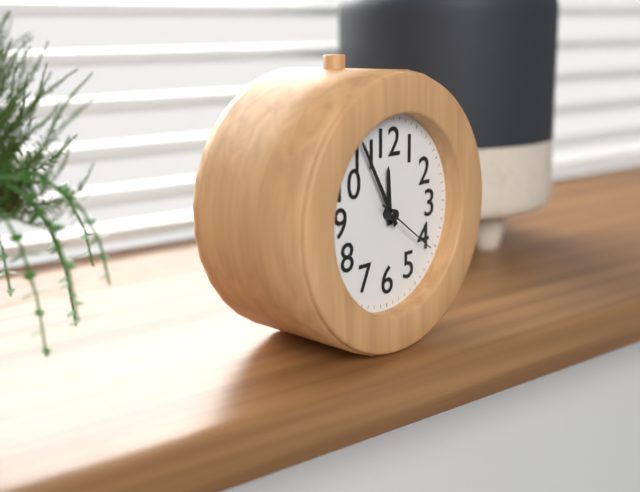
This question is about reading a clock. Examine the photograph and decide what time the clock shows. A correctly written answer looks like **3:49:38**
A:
**11:55:21**
